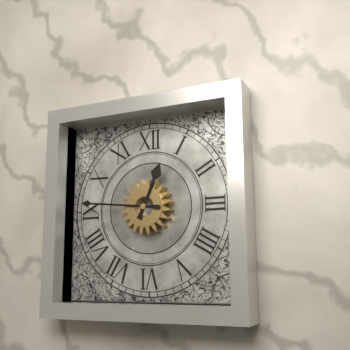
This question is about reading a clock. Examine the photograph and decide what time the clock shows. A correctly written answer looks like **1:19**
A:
**12:46**
